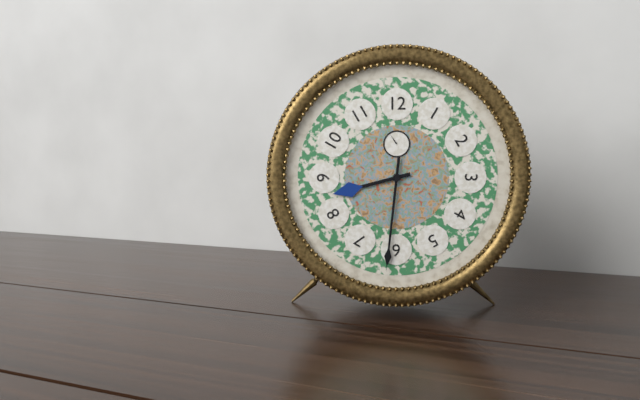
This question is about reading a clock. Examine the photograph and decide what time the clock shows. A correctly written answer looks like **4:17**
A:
**8:31**
